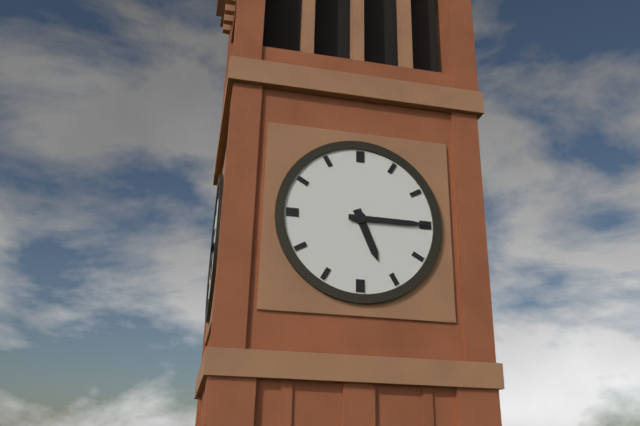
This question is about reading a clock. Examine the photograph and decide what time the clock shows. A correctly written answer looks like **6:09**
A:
**5:15**
